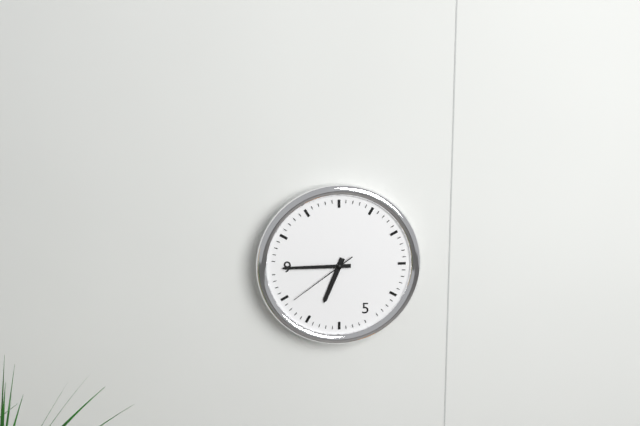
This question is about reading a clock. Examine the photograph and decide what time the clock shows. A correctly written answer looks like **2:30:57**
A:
**6:45:39**
